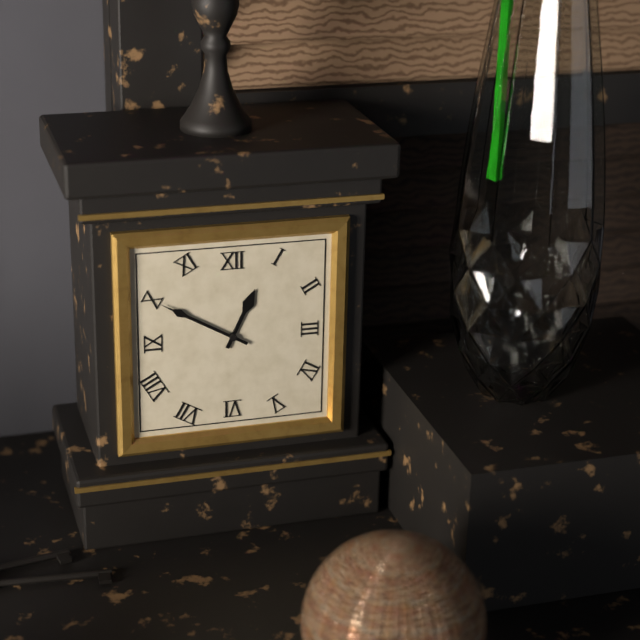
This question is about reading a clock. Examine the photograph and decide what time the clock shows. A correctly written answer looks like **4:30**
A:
**12:50**
